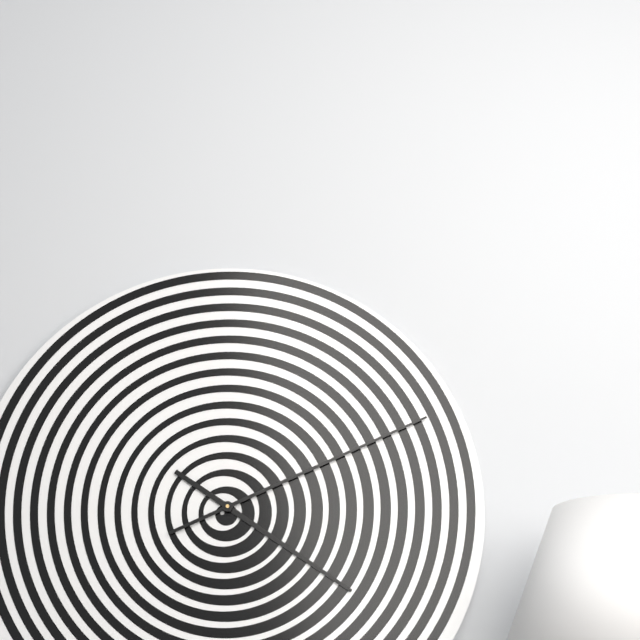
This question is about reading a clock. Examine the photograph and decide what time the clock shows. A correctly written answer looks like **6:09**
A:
**4:11**
